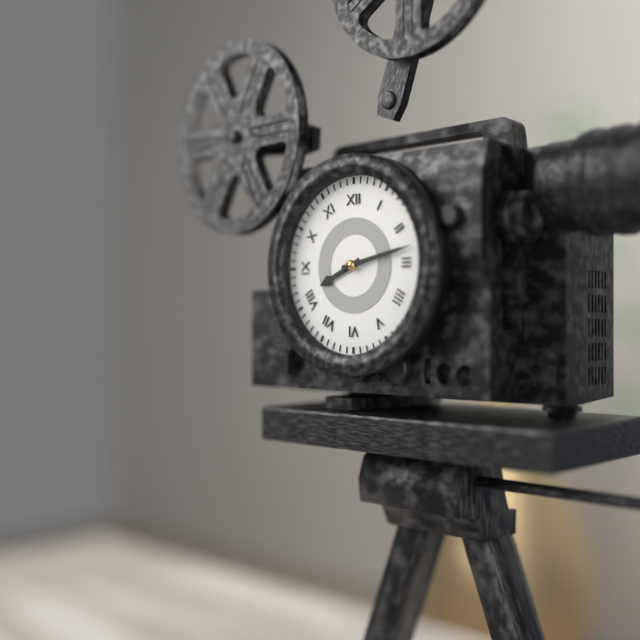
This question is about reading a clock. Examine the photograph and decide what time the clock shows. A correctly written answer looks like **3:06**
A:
**8:13**
